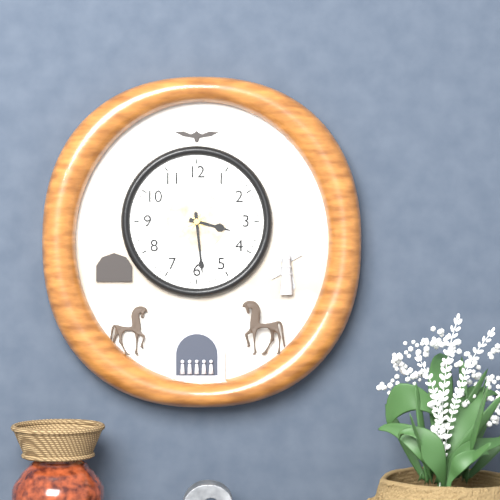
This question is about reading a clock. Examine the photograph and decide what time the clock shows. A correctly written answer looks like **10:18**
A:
**3:29**
